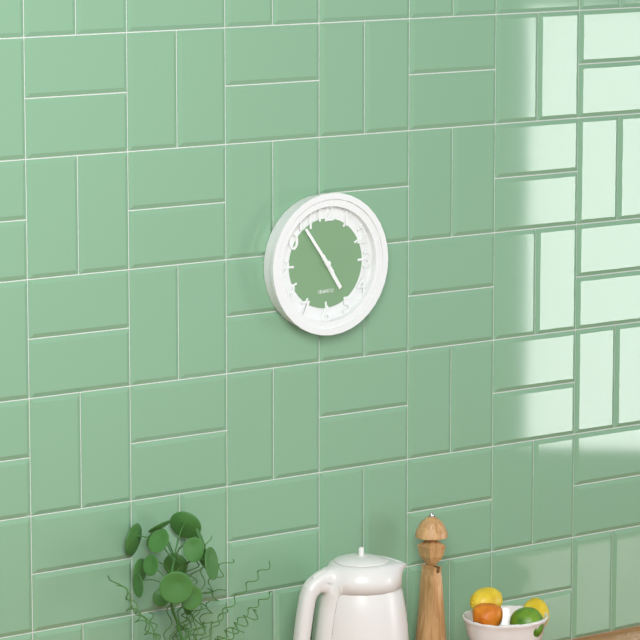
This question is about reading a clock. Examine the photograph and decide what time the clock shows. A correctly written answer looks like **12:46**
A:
**4:54**
